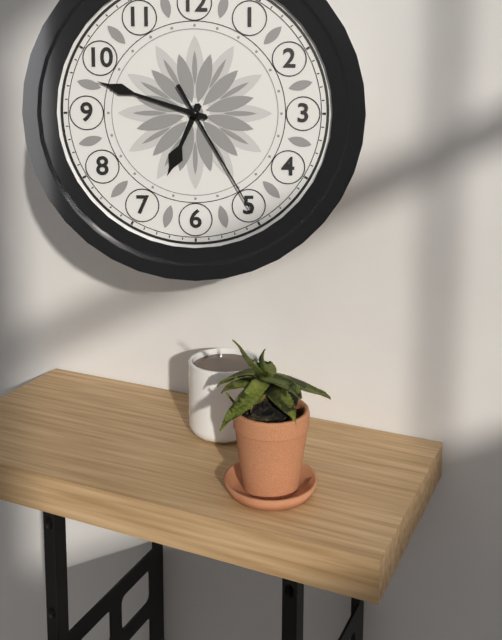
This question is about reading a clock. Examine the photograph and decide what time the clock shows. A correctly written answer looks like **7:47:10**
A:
**6:48:25**
